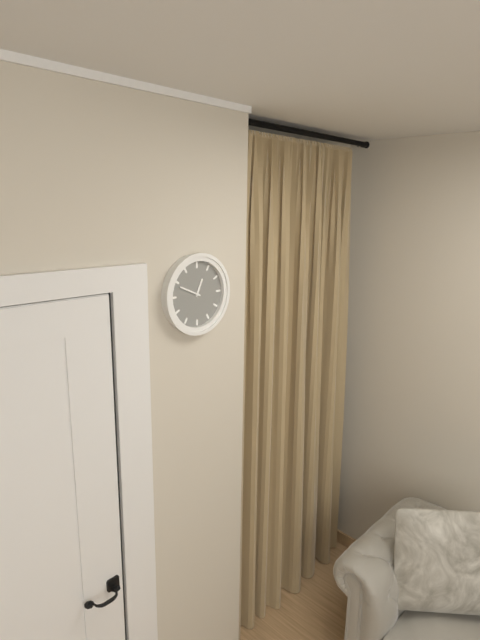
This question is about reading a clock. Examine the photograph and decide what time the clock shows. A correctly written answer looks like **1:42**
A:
**12:49**
